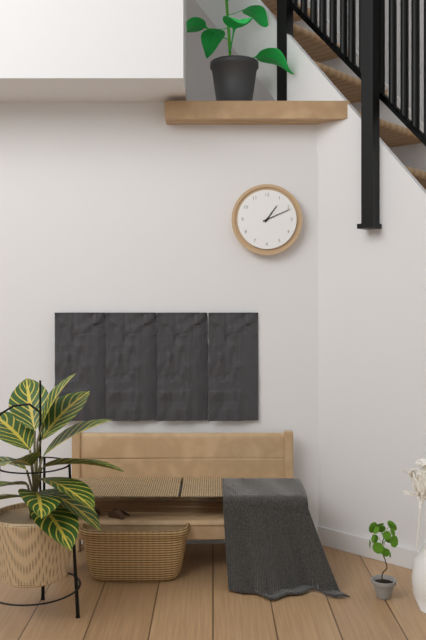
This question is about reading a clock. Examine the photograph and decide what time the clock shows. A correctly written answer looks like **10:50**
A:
**1:11**
